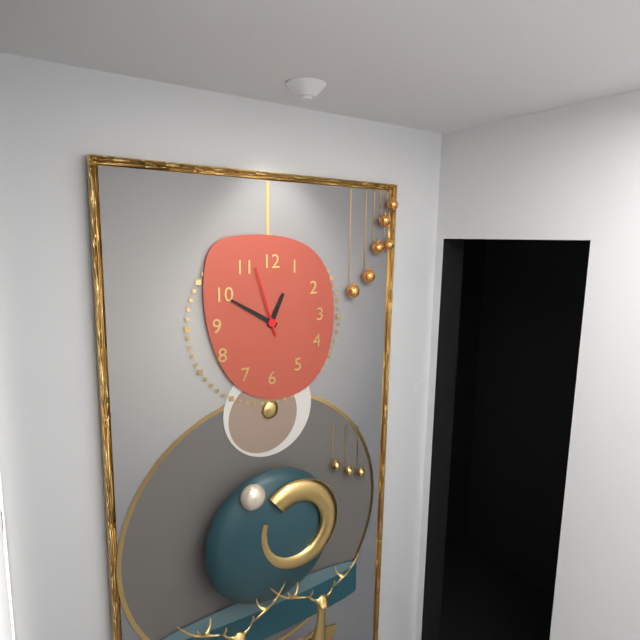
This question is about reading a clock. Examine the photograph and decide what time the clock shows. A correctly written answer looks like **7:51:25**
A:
**12:50:57**
